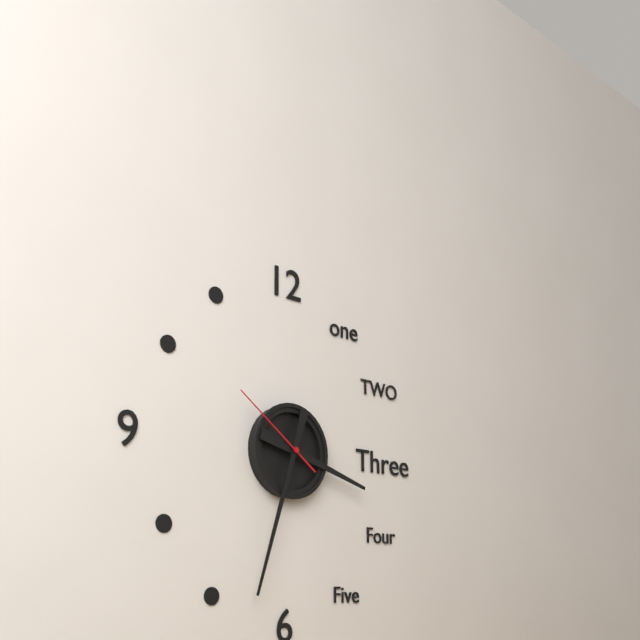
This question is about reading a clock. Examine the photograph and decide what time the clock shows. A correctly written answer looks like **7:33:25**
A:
**3:33:51**
